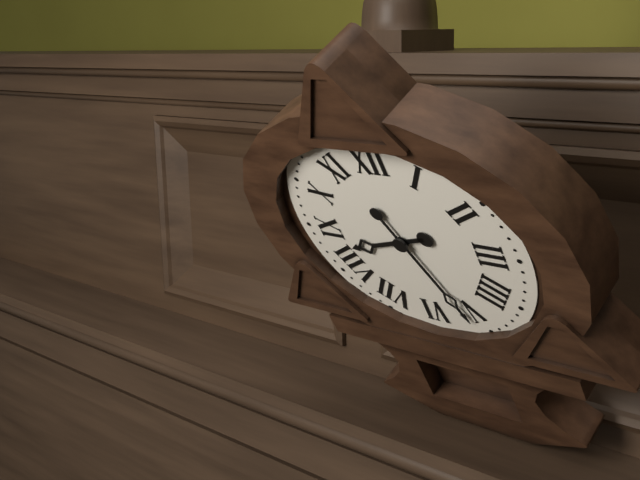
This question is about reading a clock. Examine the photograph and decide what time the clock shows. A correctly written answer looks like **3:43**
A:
**8:26**
